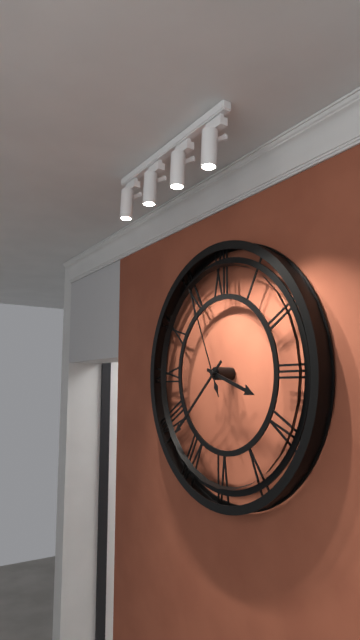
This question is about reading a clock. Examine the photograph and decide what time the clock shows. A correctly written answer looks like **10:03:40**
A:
**3:38:56**
